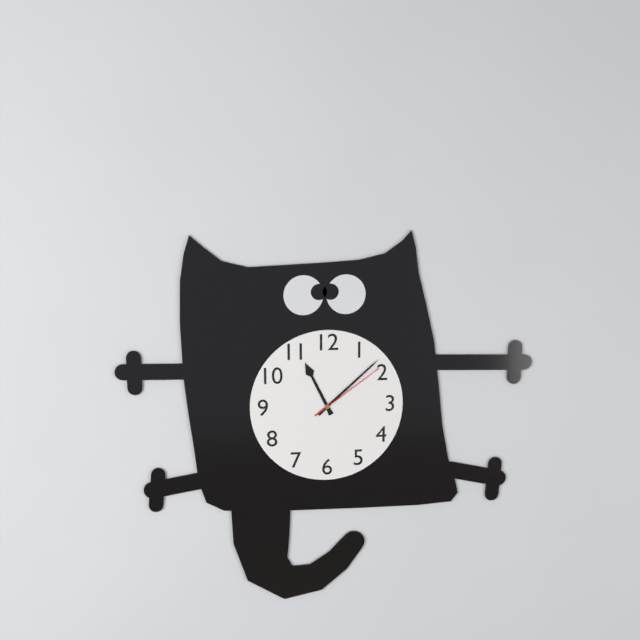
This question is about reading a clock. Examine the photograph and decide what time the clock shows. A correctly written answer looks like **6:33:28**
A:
**11:08:09**
